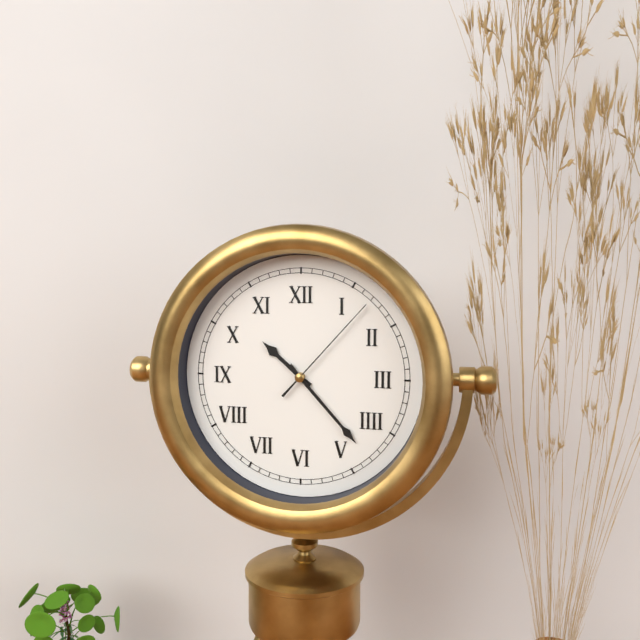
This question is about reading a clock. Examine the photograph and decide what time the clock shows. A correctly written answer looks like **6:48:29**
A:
**10:23:07**
